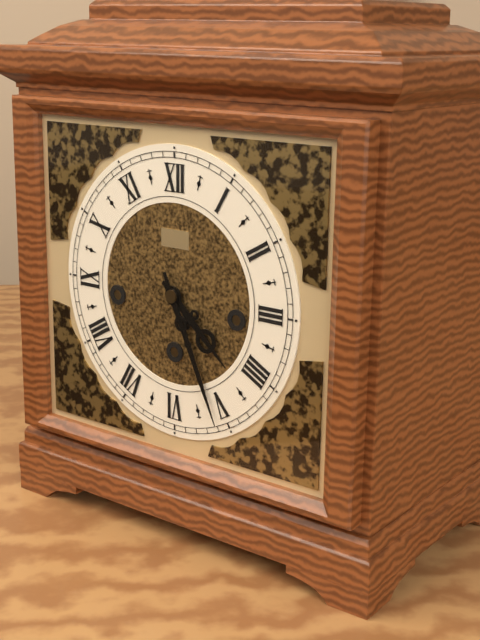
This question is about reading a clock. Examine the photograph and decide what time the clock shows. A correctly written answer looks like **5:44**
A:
**4:26**
